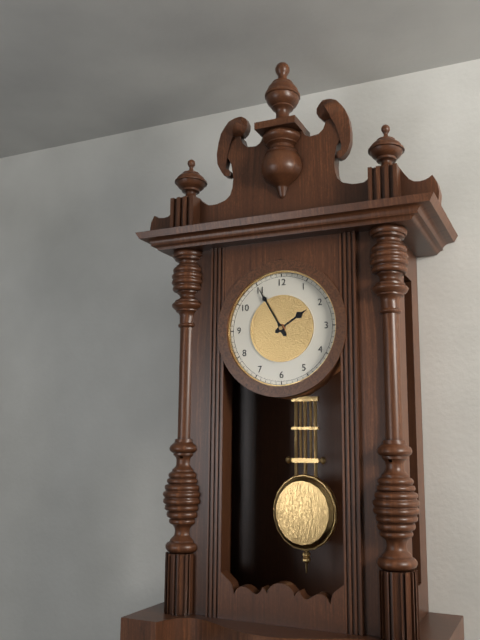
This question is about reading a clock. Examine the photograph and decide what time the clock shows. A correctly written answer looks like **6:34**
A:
**1:55**
